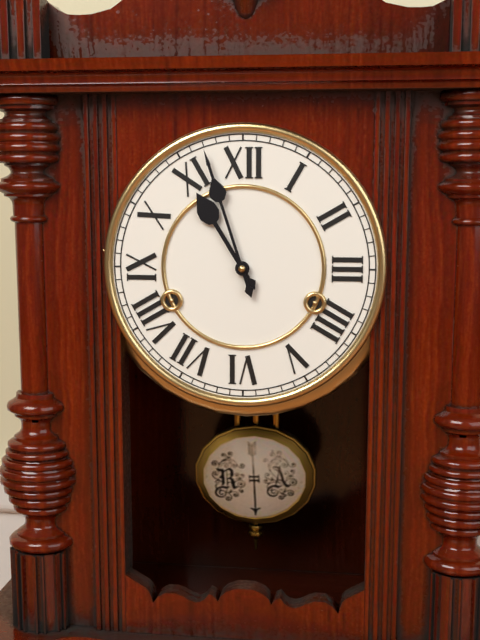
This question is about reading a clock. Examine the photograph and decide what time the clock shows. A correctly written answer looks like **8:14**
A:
**10:57**
